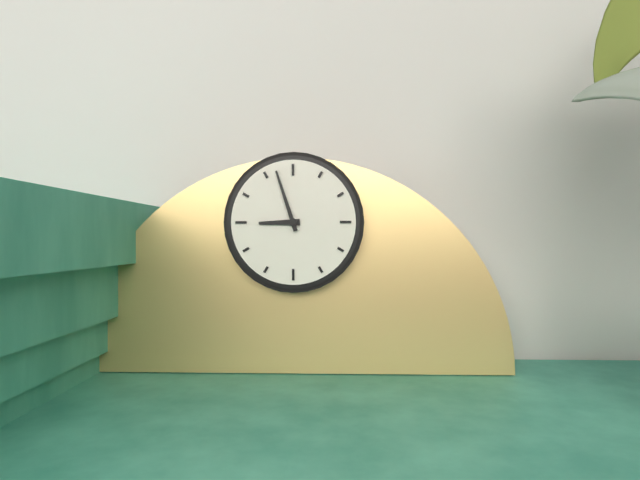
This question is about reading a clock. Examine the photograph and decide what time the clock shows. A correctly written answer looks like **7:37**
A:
**8:57**
